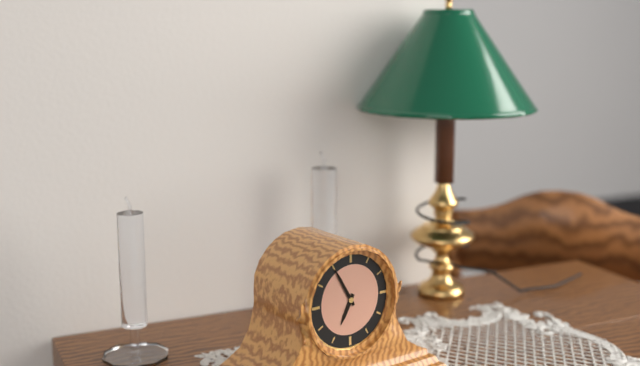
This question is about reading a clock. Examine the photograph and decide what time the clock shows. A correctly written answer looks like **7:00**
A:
**6:55**
